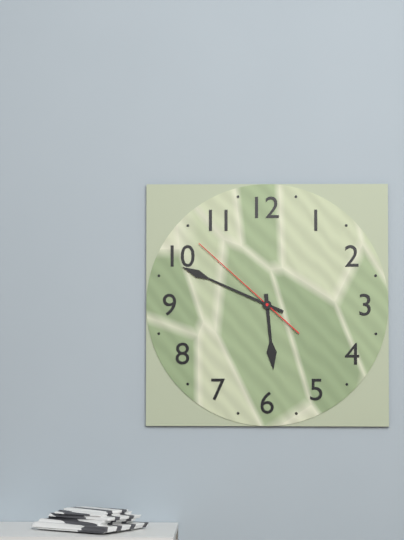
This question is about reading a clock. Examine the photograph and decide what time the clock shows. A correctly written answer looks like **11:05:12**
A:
**5:49:52**
